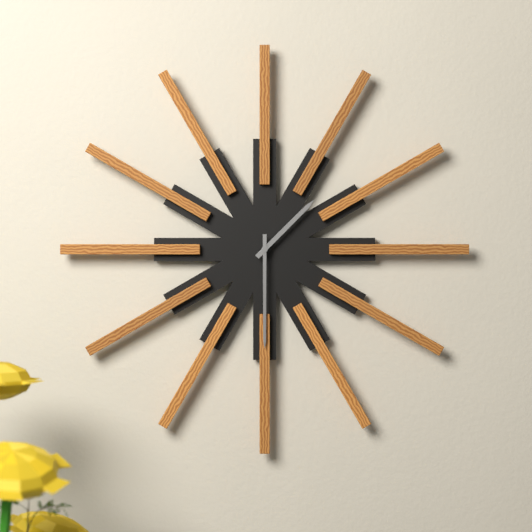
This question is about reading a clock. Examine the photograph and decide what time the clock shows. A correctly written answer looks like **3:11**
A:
**1:30**
